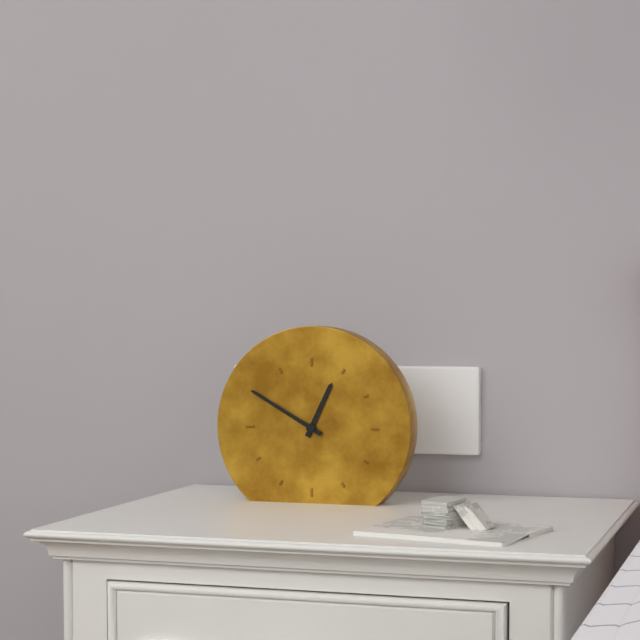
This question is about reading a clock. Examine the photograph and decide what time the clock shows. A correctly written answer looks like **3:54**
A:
**12:50**
